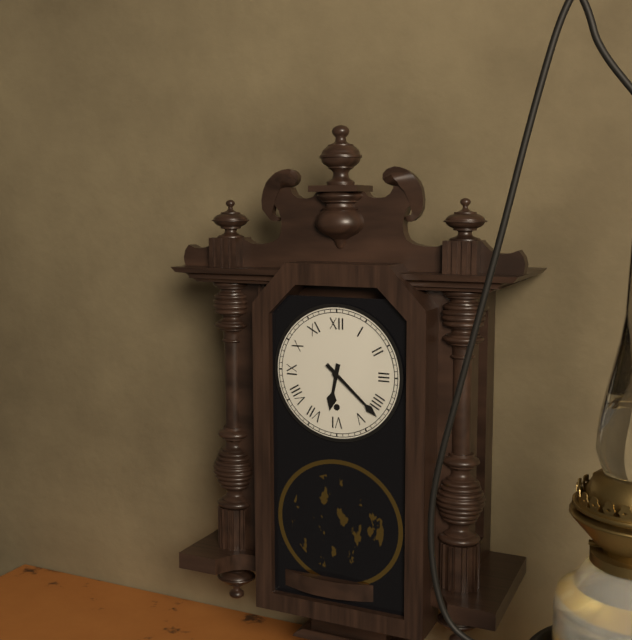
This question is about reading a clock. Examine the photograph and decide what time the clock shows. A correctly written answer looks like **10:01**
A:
**6:22**
